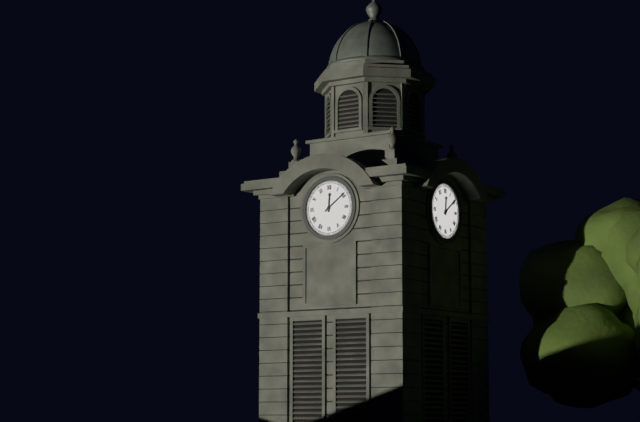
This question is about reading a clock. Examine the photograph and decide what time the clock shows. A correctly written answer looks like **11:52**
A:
**12:09**
